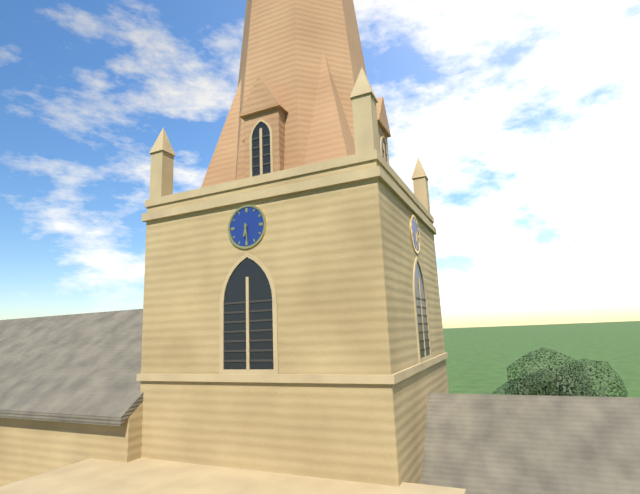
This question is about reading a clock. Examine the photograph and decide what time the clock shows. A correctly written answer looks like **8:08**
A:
**6:29**
